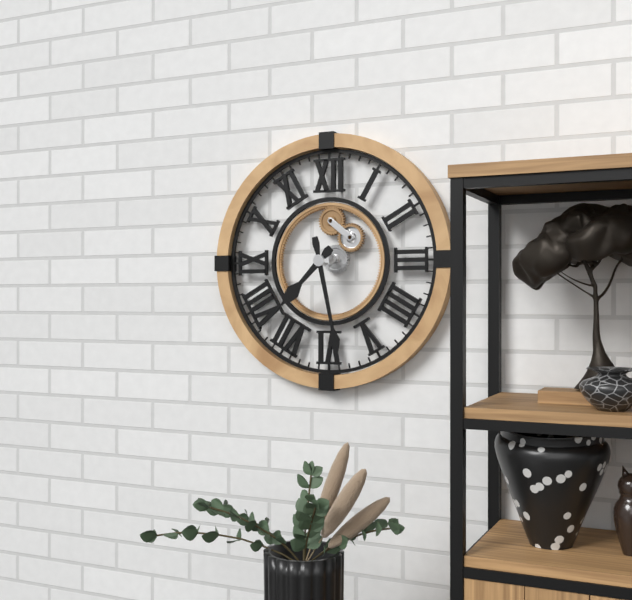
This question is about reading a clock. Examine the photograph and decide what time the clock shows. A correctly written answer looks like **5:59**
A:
**7:28**
